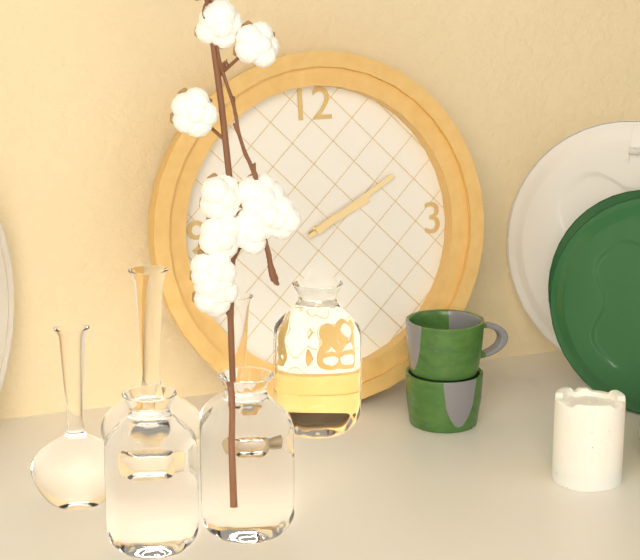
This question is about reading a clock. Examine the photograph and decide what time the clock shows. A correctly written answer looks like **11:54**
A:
**2:10**
